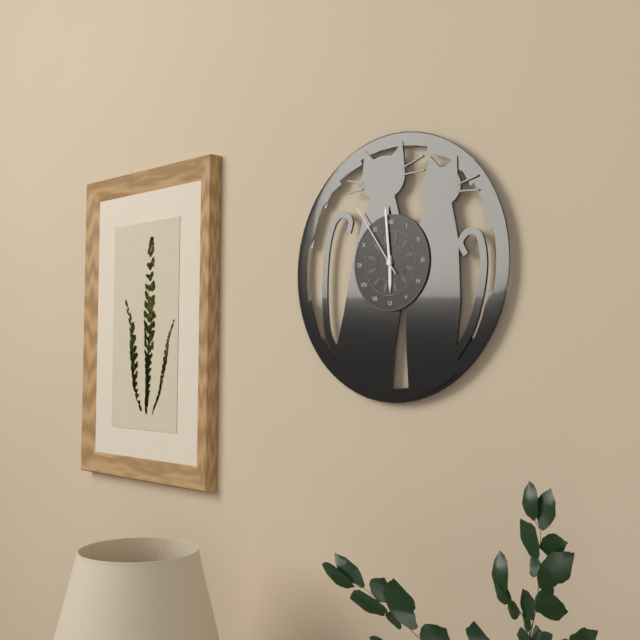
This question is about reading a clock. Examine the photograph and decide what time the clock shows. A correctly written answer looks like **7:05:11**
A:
**5:59:54**
